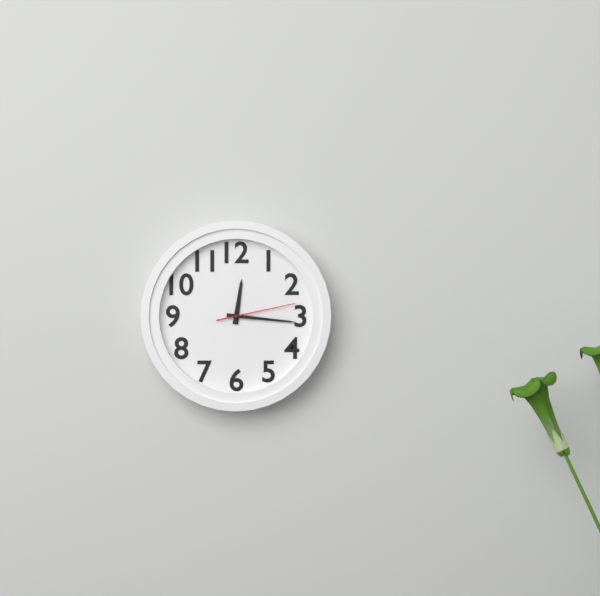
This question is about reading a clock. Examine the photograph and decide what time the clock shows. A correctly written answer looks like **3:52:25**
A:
**12:16:13**
